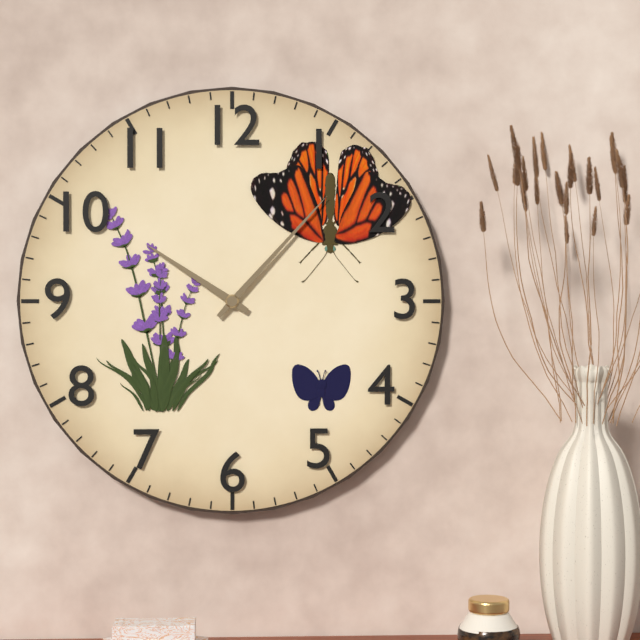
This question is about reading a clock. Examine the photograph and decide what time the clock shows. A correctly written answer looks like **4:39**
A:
**10:07**
